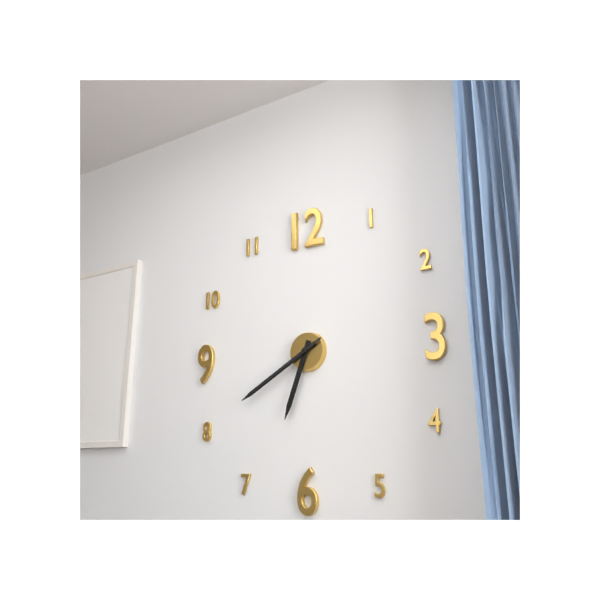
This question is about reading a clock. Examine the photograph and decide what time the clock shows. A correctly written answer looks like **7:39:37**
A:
**6:40:40**
